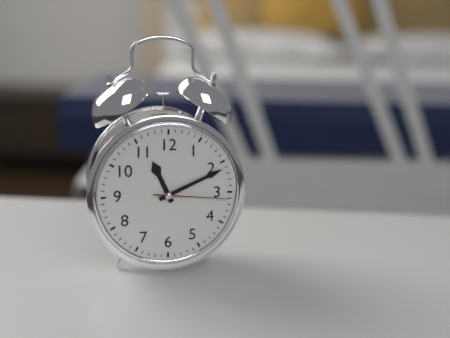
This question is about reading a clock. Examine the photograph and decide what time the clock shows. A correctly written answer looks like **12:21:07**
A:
**11:11:16**
